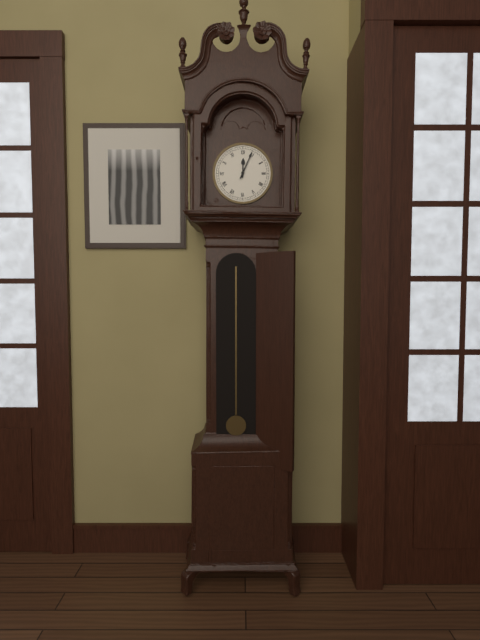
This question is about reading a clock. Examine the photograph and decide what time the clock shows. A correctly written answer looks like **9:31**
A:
**12:04**
